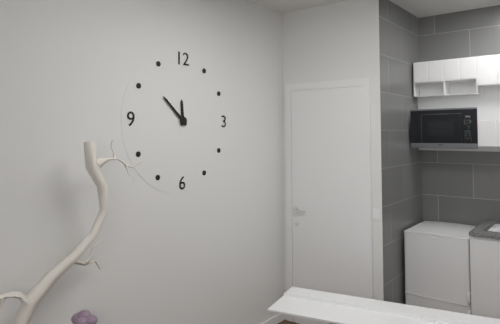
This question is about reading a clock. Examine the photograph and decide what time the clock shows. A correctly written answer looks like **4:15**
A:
**11:52**
